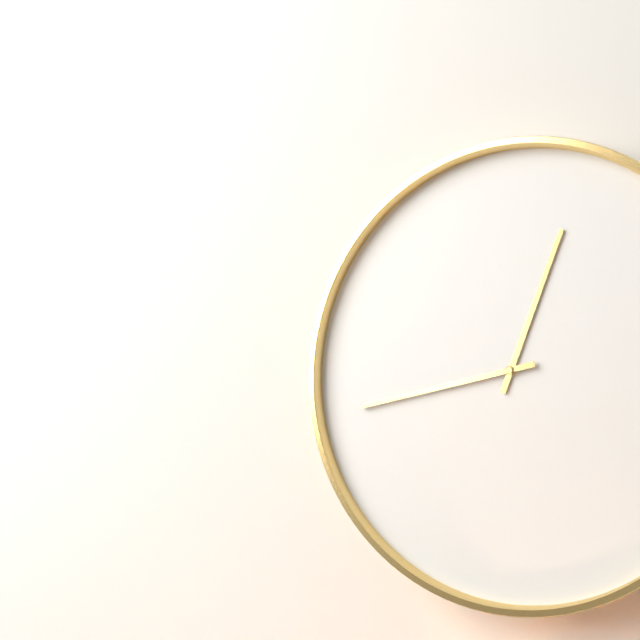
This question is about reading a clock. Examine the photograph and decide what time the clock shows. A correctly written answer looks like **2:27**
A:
**12:43**
